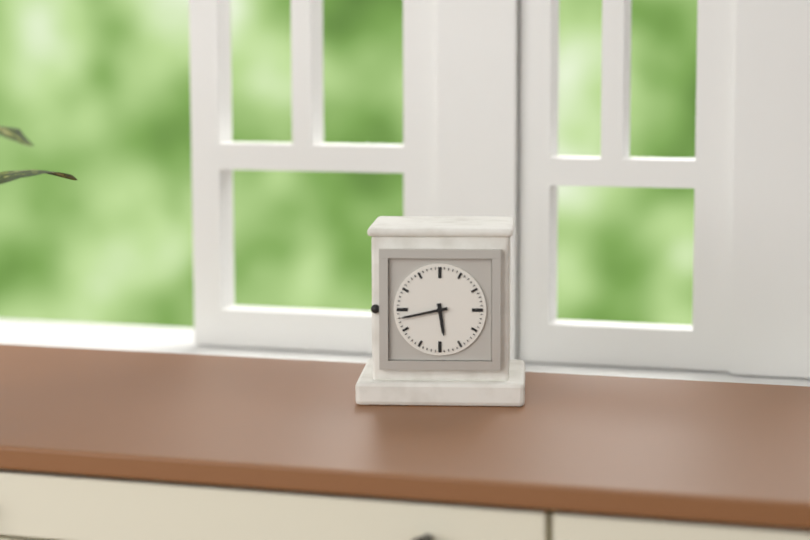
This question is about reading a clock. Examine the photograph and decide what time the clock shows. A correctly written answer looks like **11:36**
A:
**5:43**
